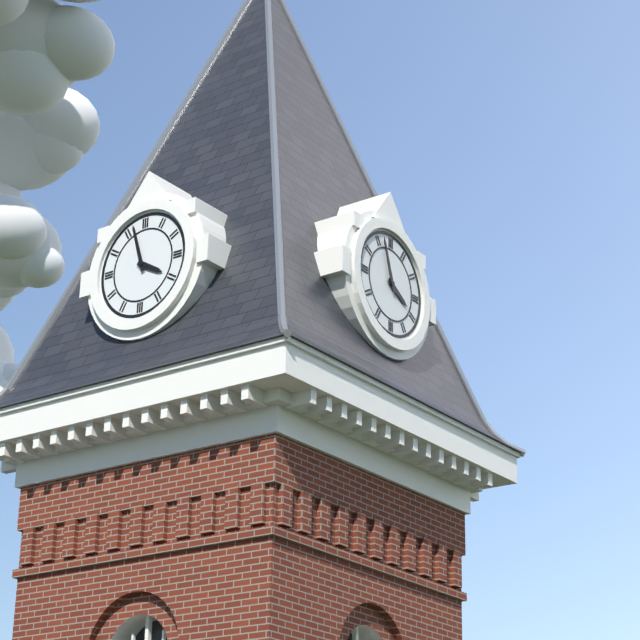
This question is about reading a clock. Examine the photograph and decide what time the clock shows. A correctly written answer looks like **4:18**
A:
**3:57**
